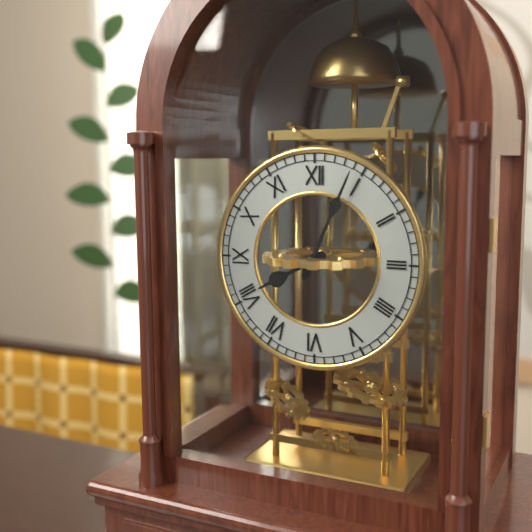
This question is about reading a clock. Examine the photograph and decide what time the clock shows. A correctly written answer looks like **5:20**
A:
**8:04**
